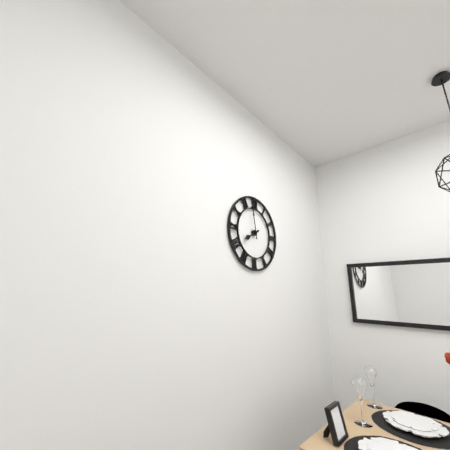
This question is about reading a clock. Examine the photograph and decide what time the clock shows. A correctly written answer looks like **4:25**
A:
**7:58**
